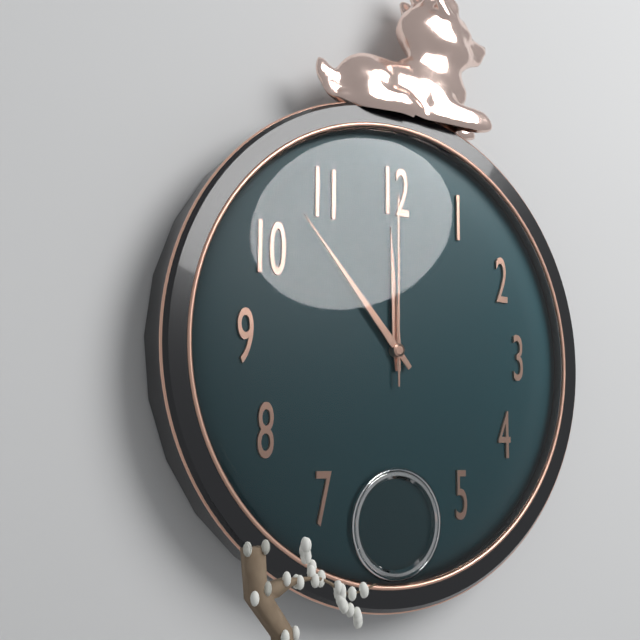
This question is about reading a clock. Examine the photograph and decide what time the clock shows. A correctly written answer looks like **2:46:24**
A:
**11:53:00**
